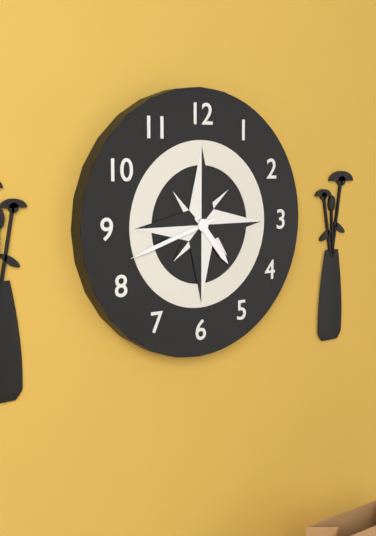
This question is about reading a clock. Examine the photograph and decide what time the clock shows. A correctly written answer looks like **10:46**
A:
**4:42**
